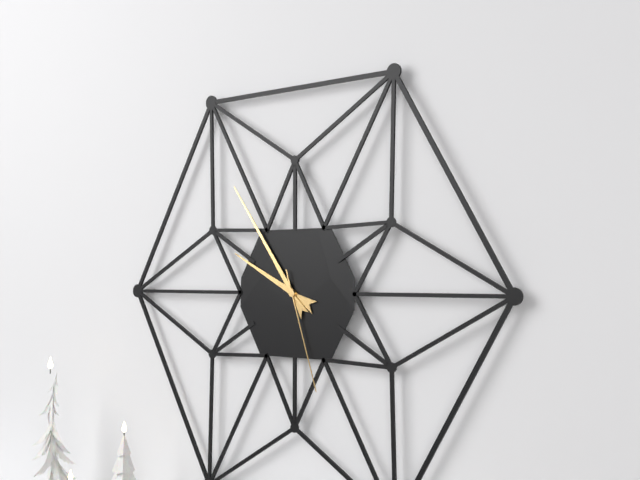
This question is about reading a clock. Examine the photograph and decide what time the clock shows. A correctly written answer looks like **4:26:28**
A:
**9:54:27**
